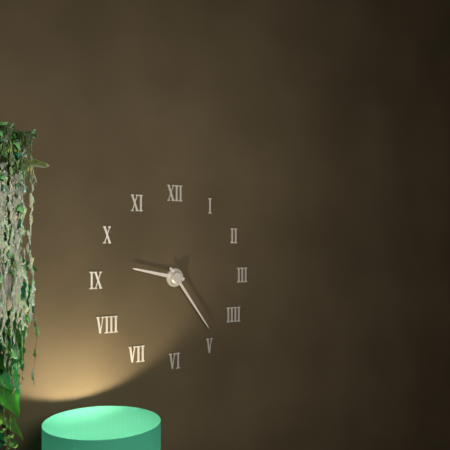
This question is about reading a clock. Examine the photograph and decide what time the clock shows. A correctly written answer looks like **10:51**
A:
**9:24**
